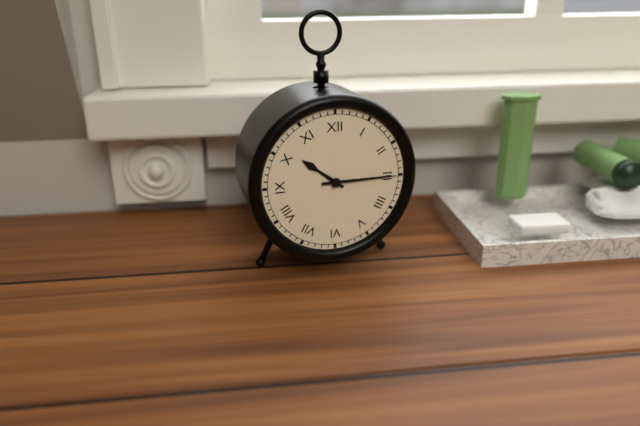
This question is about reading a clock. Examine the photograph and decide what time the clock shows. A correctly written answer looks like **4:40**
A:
**10:15**
